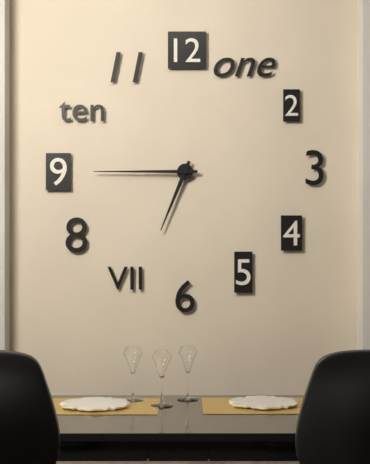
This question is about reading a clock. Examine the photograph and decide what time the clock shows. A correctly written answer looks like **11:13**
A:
**6:45**
